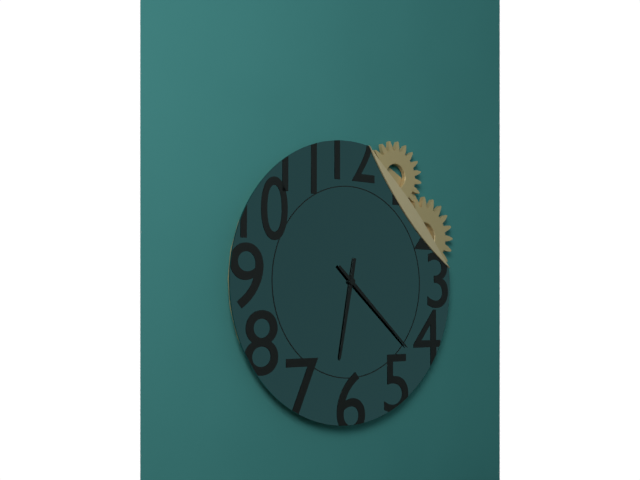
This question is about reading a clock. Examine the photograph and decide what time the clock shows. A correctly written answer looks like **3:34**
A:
**6:22**
